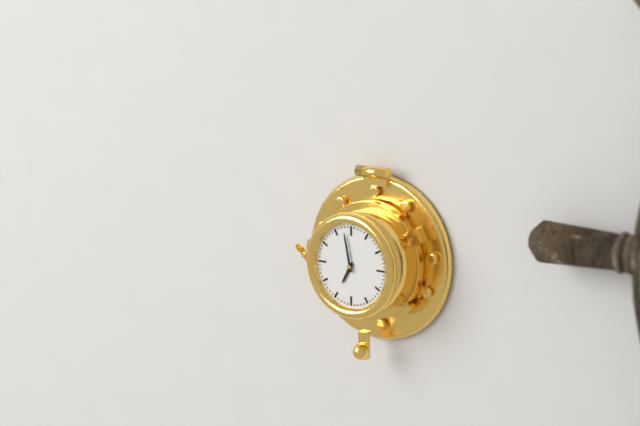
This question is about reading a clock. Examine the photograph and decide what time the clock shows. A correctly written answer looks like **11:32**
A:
**6:58**
